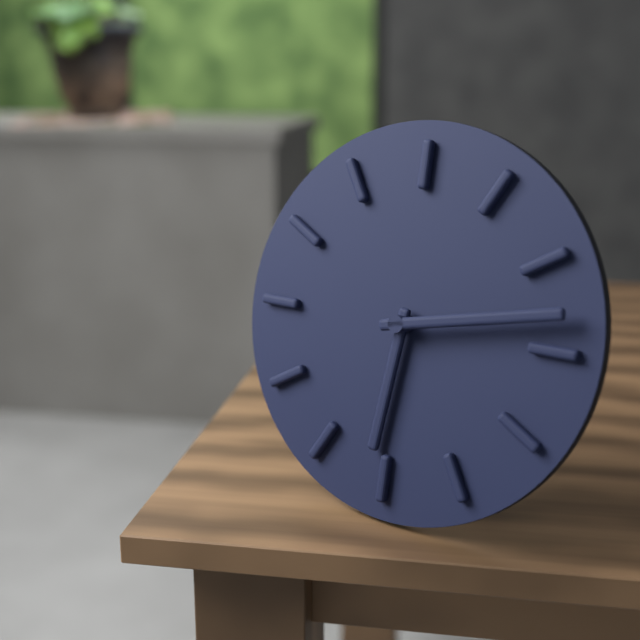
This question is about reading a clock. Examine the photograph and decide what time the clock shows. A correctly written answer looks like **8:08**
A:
**6:13**
